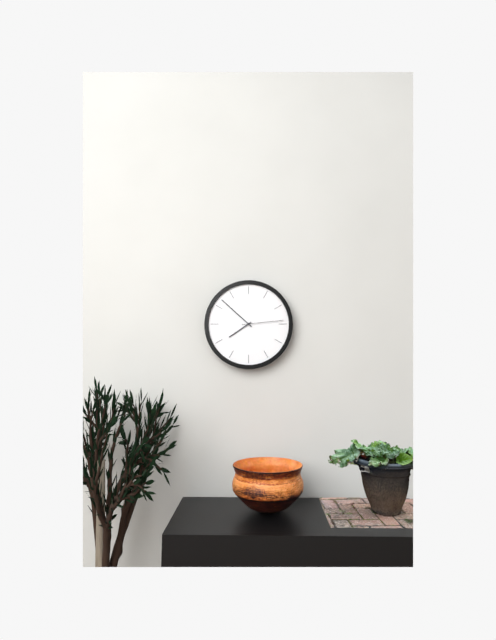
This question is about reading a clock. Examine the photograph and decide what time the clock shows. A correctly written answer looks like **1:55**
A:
**7:52**
